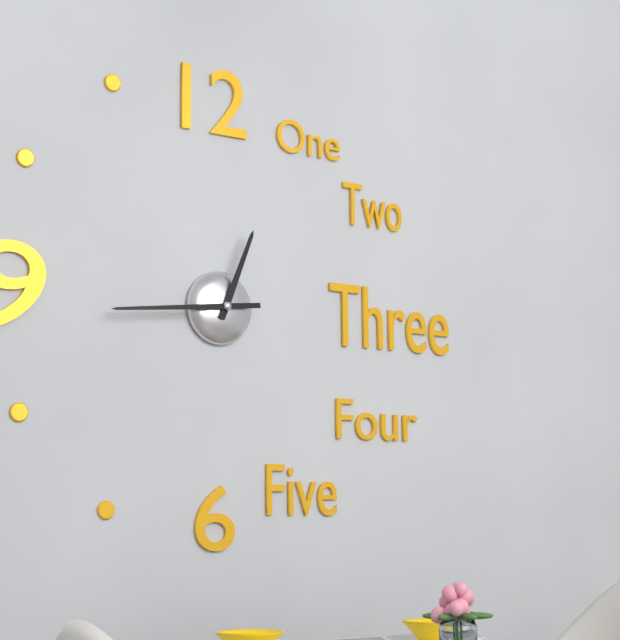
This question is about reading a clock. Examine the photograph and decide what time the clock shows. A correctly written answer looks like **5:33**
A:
**12:44**
